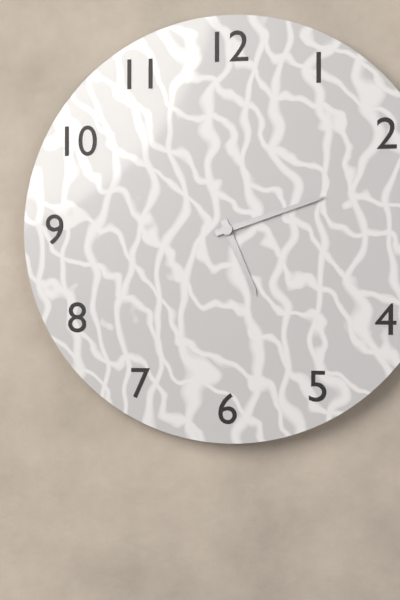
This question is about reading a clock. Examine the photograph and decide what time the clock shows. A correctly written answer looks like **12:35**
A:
**5:12**
